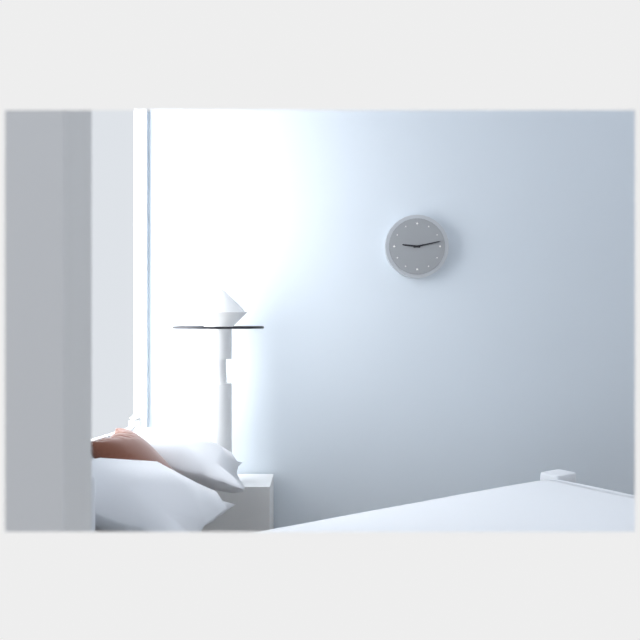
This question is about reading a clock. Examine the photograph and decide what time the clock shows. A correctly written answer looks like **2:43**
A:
**9:13**
